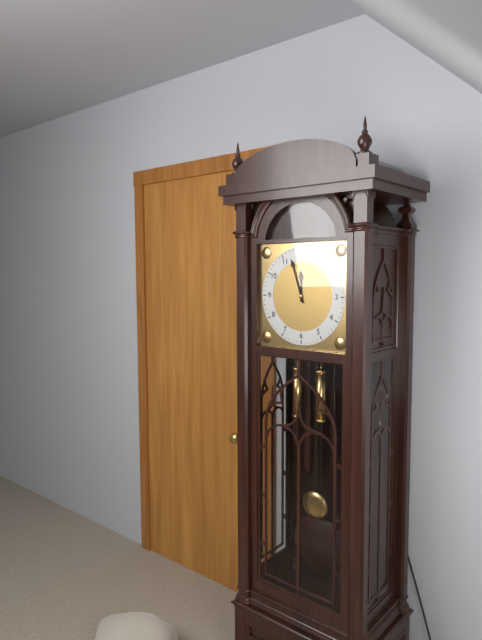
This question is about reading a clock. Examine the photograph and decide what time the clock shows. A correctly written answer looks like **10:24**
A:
**11:57**
